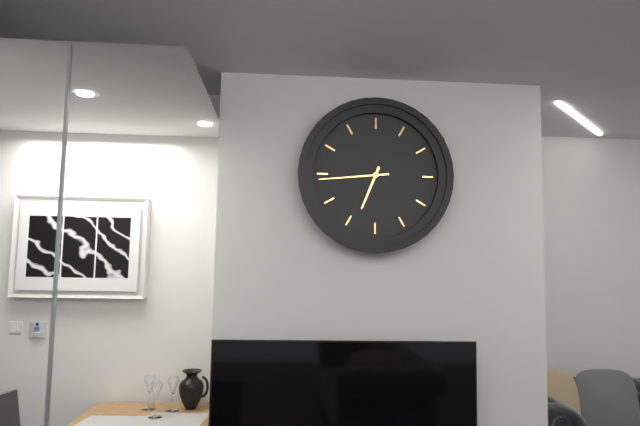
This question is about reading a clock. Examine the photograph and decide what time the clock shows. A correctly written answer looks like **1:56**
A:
**6:44**
